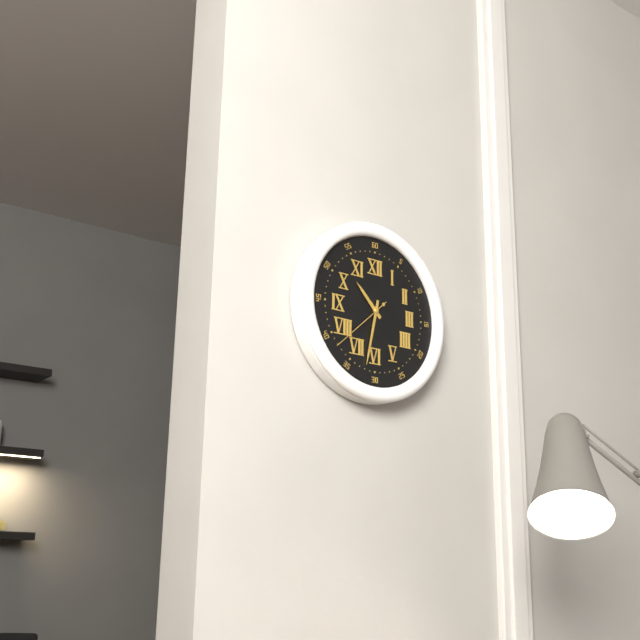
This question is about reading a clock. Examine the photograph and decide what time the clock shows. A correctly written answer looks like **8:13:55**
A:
**10:32:38**
